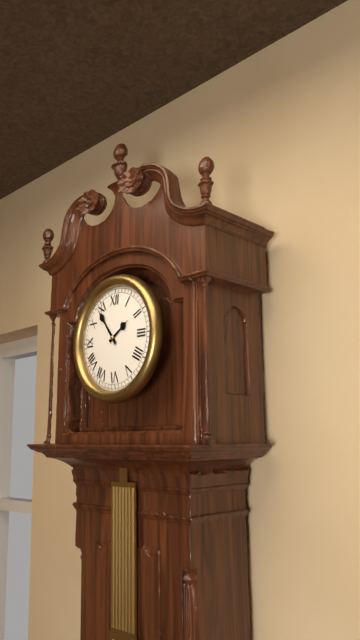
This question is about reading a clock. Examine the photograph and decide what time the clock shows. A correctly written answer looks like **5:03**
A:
**1:54**
